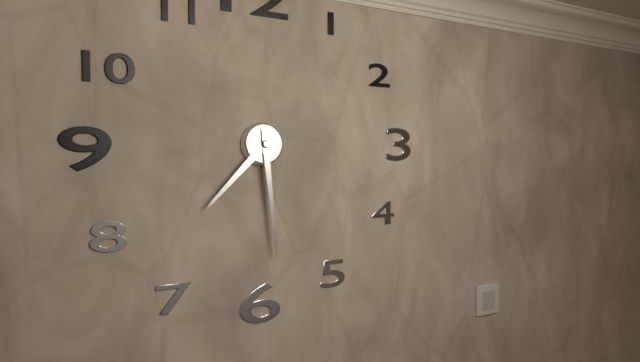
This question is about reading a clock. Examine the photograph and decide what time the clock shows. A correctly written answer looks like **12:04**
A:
**7:29**
